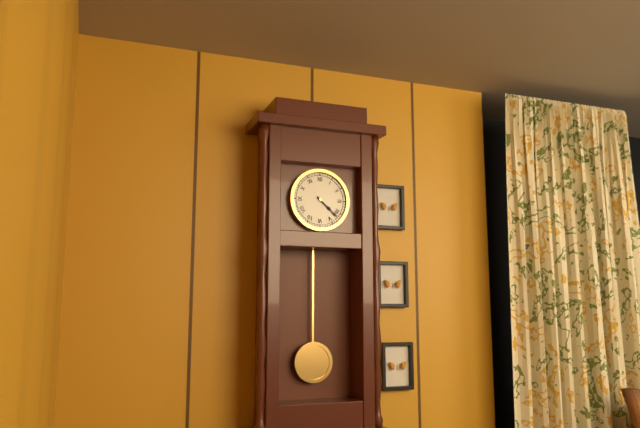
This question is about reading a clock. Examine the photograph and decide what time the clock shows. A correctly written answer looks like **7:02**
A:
**4:22**
